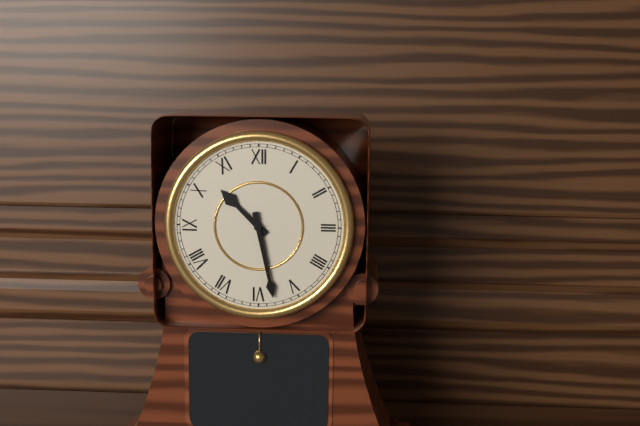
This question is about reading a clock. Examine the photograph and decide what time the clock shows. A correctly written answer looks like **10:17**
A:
**10:28**
